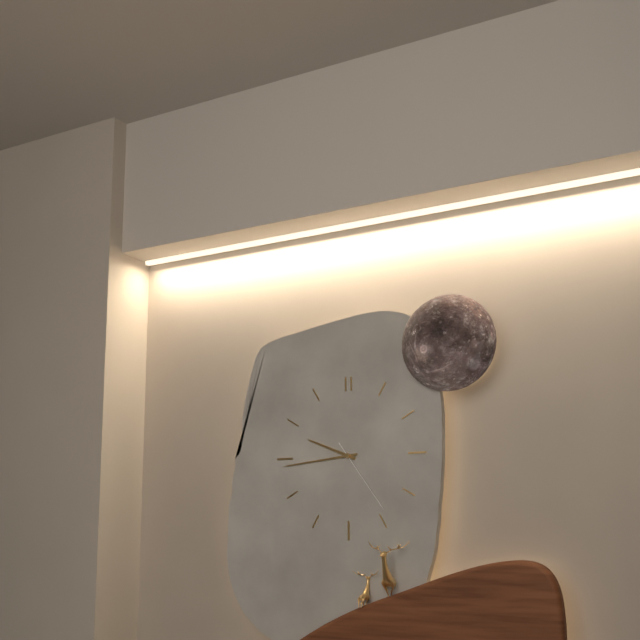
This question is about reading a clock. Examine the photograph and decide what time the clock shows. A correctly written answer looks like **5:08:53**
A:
**9:44:24**
